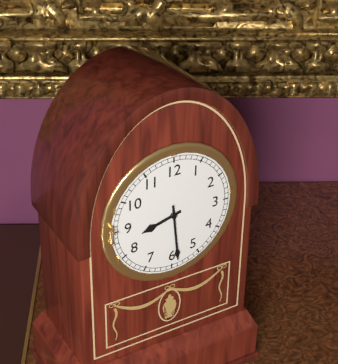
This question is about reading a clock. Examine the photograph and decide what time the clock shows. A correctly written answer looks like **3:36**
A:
**8:29**
